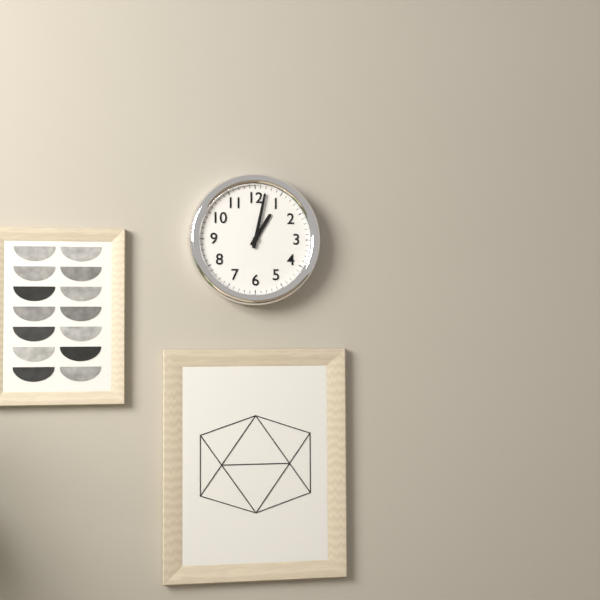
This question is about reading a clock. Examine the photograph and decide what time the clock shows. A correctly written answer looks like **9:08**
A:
**1:02**
